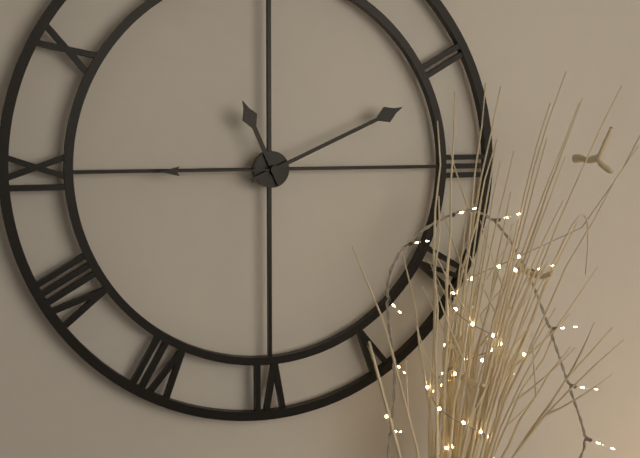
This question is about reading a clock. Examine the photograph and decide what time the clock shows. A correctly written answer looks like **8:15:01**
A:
**11:11:45**
